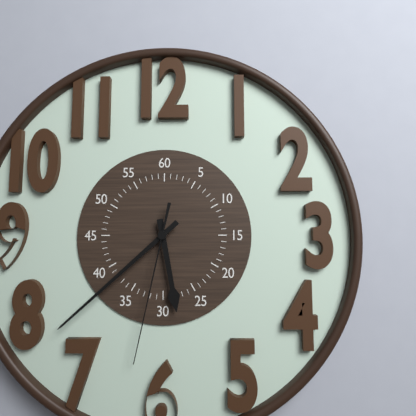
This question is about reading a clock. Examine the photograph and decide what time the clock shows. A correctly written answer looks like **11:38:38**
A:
**5:38:32**
